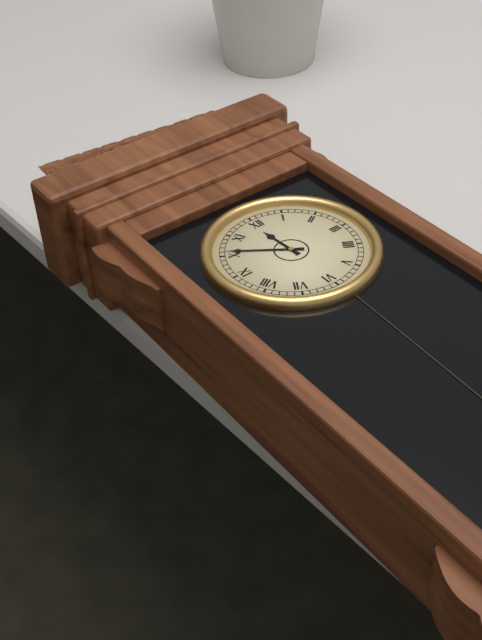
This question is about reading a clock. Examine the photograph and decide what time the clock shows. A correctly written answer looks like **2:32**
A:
**11:51**
